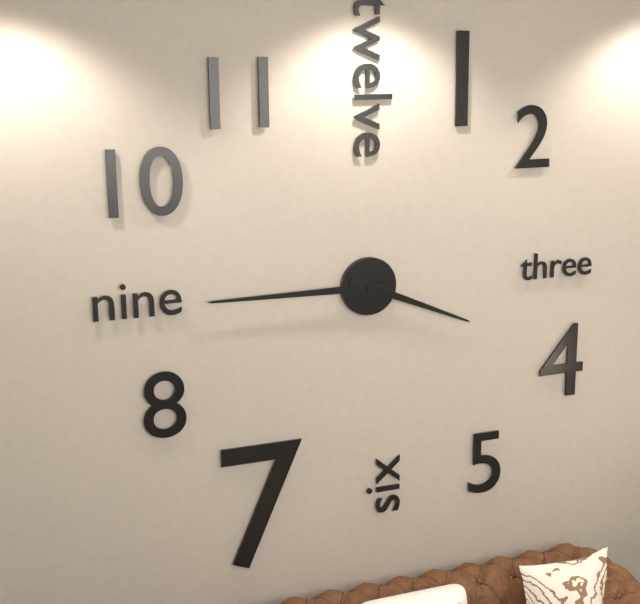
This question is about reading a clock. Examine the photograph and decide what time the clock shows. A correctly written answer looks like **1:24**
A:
**3:45**
